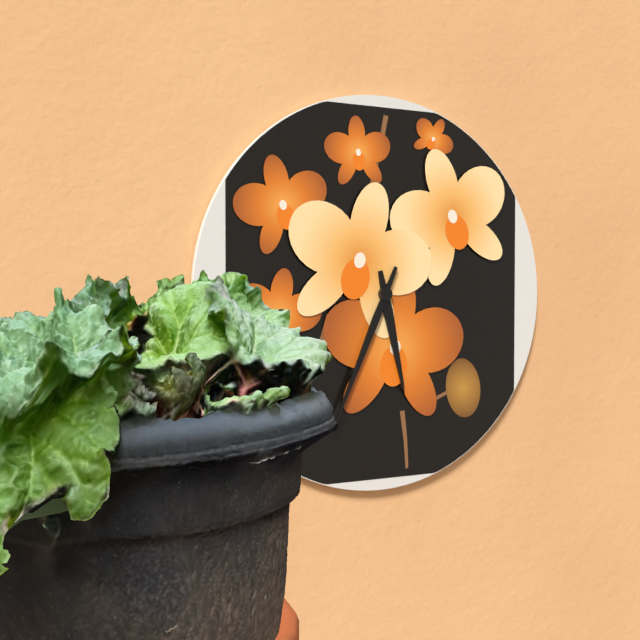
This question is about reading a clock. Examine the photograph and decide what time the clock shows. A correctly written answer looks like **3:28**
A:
**5:34**
